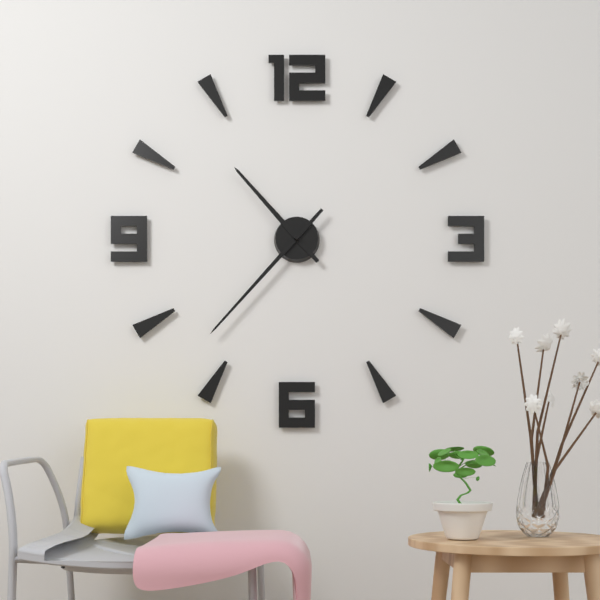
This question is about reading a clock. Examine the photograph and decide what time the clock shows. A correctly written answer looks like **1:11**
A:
**10:37**
